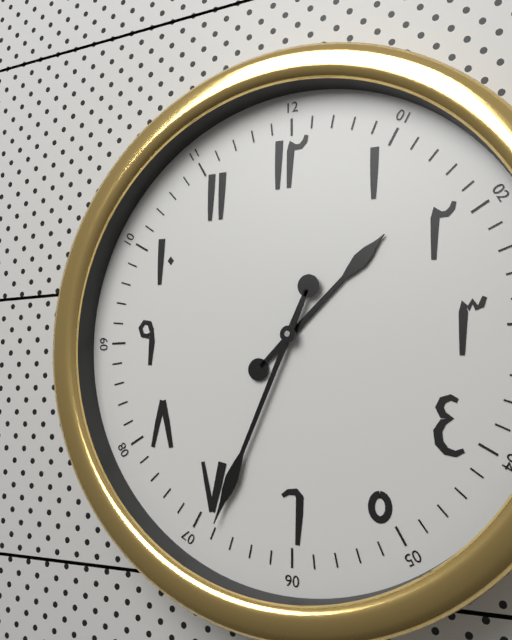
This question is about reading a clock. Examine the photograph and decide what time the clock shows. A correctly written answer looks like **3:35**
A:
**1:34**
